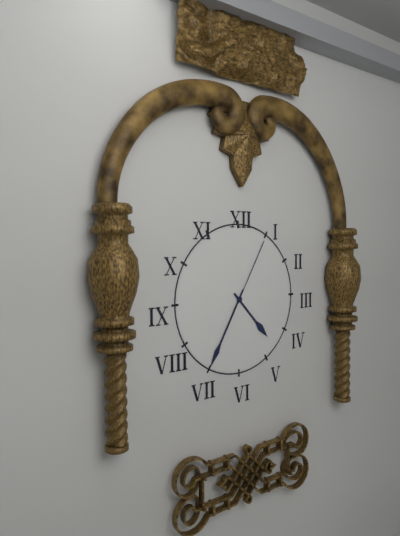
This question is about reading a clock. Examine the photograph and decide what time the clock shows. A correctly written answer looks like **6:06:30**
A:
**4:35:05**
